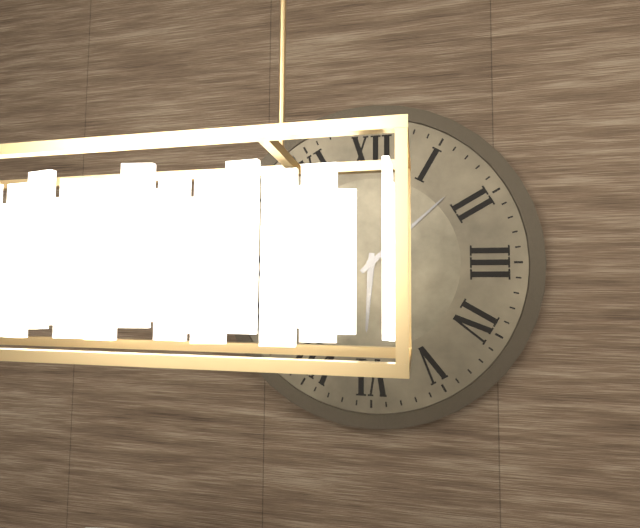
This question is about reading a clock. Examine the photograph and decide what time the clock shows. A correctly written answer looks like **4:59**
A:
**6:08**
